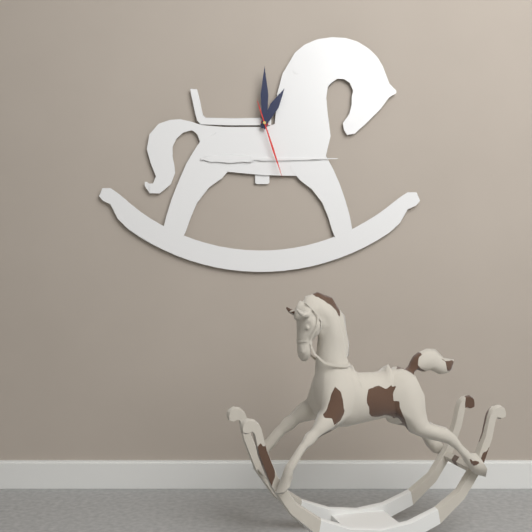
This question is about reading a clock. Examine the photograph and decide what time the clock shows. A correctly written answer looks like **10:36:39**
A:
**1:00:27**
